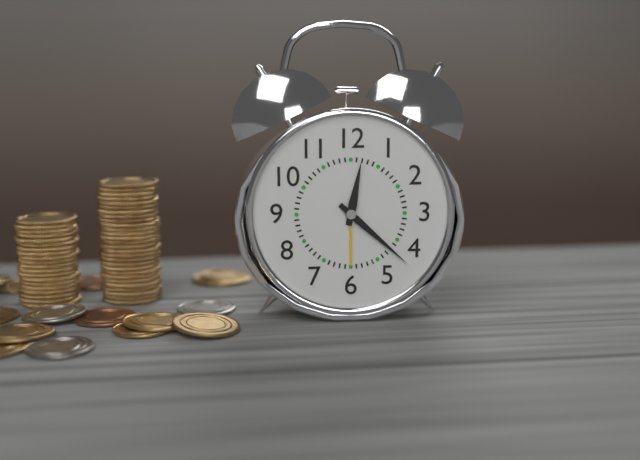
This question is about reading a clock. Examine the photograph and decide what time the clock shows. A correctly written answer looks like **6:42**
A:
**12:22**
